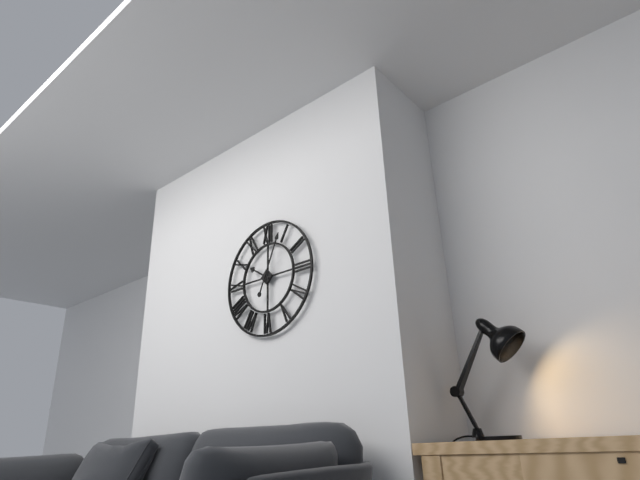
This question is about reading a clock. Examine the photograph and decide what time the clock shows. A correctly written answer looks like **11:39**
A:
**10:04**
